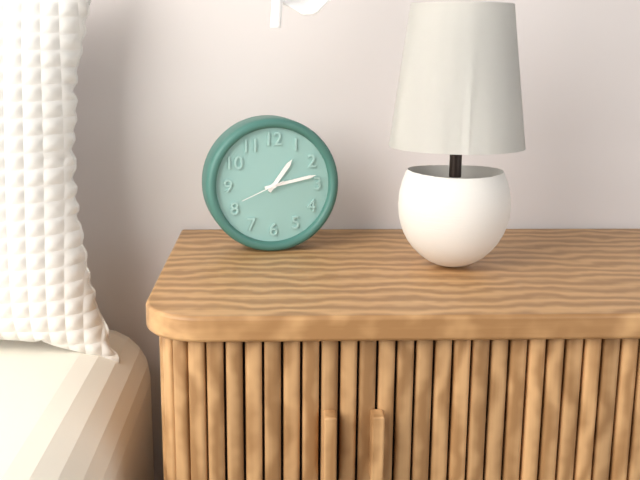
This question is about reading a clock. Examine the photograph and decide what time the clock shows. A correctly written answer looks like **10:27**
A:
**1:13**
